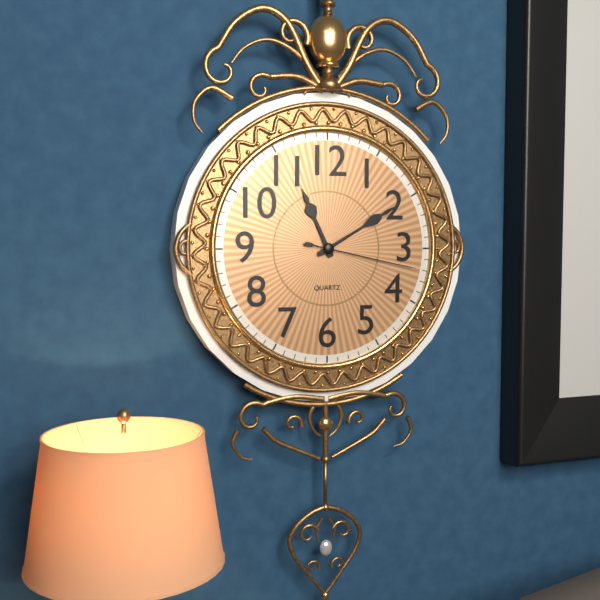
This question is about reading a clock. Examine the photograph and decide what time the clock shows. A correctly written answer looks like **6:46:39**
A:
**11:10:17**
